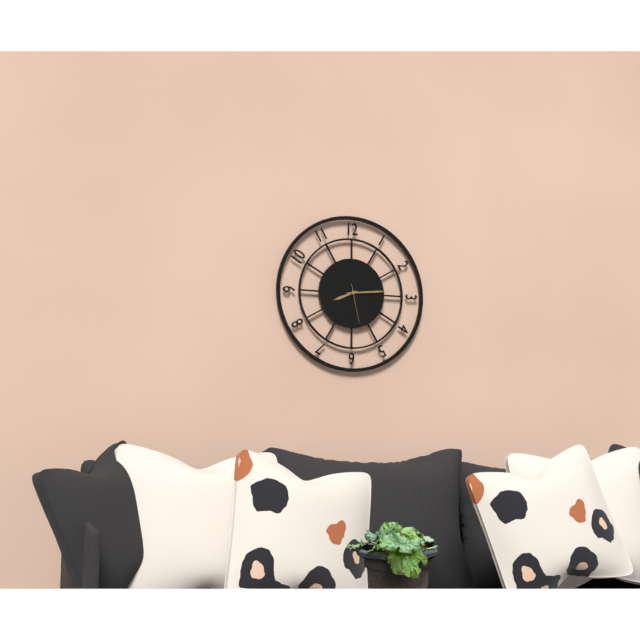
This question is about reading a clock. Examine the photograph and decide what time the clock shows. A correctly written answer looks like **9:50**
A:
**8:14**
